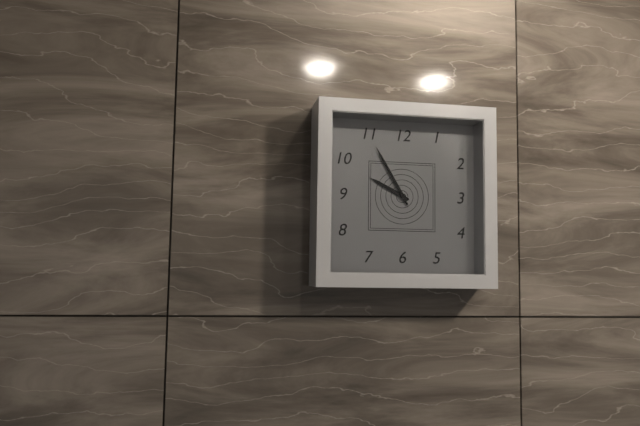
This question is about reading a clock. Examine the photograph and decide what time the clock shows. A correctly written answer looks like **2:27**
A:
**9:55**
